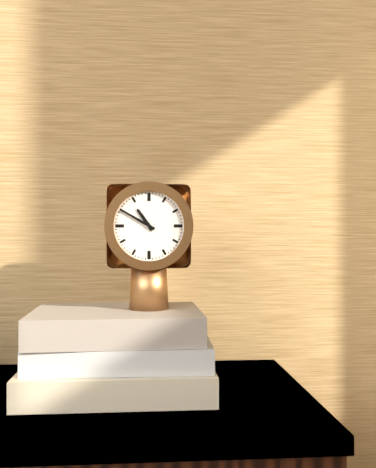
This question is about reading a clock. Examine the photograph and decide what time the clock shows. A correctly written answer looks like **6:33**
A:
**10:50**
